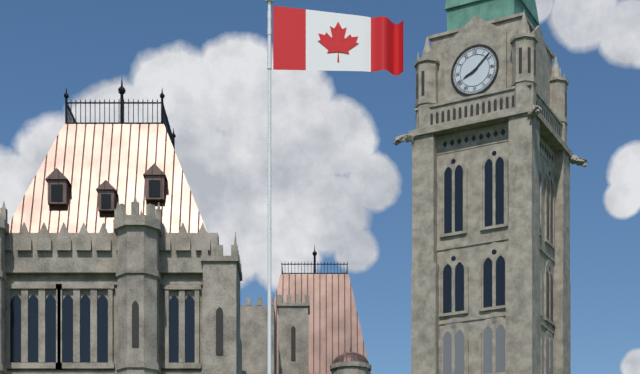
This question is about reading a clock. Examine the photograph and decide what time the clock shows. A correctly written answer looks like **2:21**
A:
**8:08**
